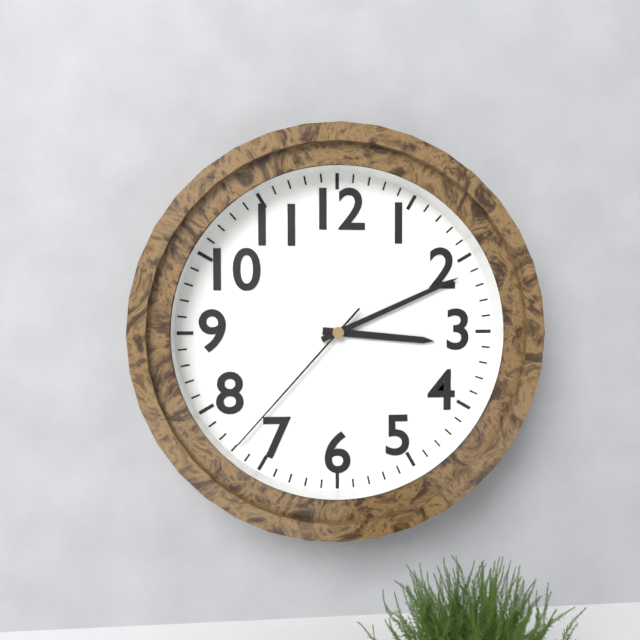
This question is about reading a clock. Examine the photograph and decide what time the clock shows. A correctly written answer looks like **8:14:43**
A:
**3:11:37**
